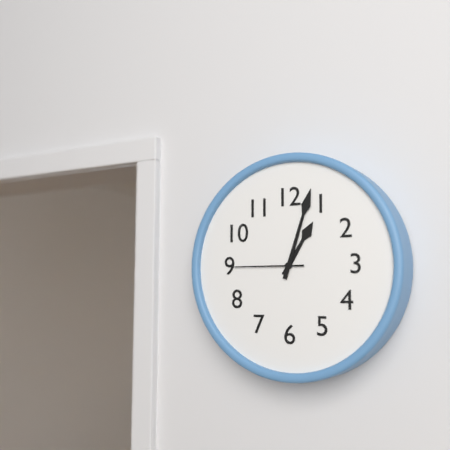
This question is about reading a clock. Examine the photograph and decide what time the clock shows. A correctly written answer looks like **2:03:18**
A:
**1:03:45**
